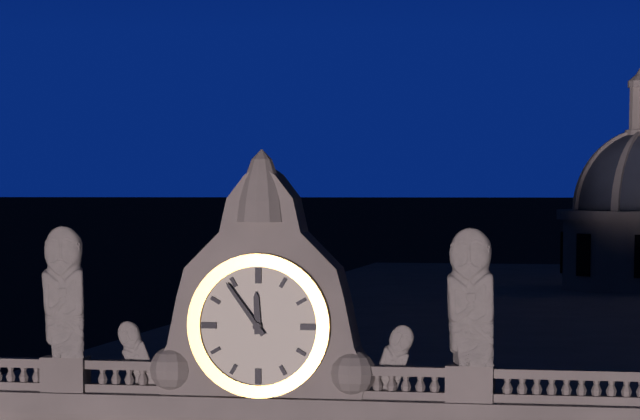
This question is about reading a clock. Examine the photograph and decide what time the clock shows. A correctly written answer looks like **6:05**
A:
**11:54**
